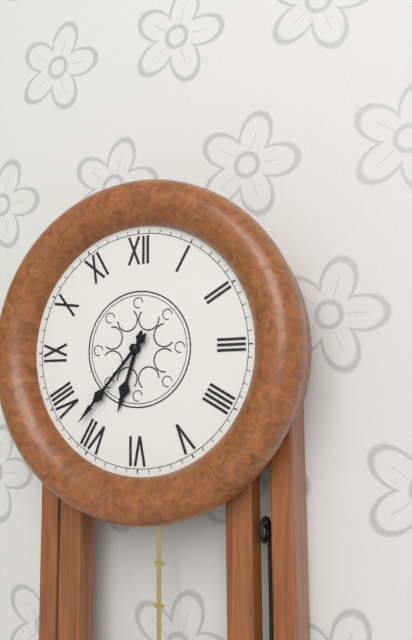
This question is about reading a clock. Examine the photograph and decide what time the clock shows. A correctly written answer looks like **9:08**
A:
**6:37**
